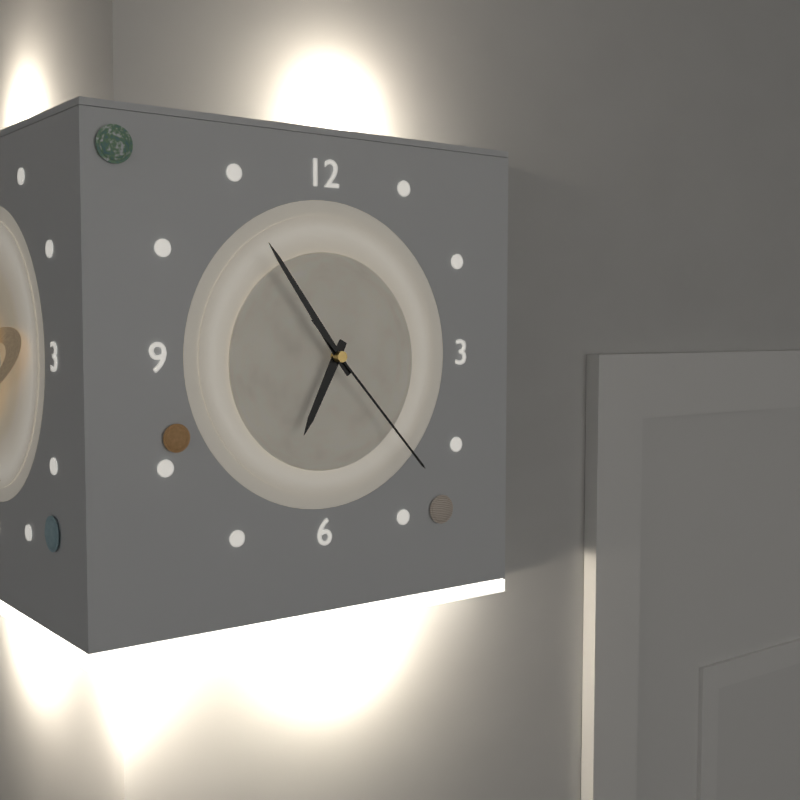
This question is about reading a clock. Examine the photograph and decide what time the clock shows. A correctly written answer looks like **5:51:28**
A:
**6:54:23**
